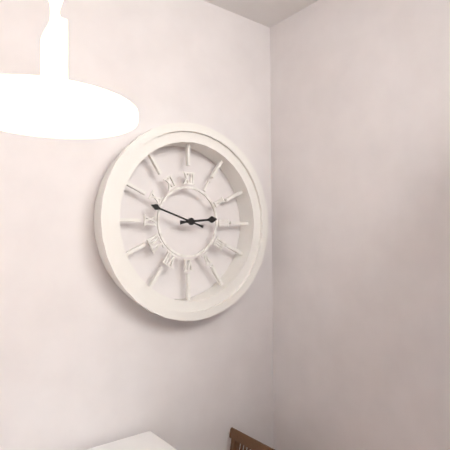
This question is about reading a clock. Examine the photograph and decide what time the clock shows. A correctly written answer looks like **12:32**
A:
**2:48**
